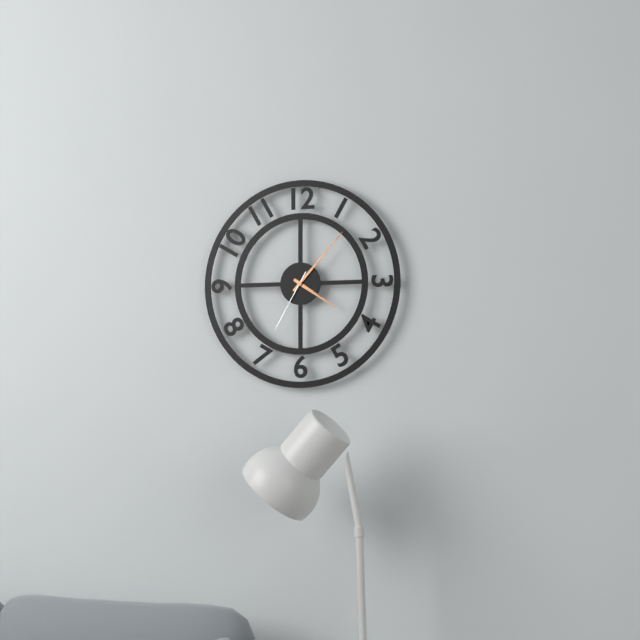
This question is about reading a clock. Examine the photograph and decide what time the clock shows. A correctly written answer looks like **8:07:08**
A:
**4:07:35**
